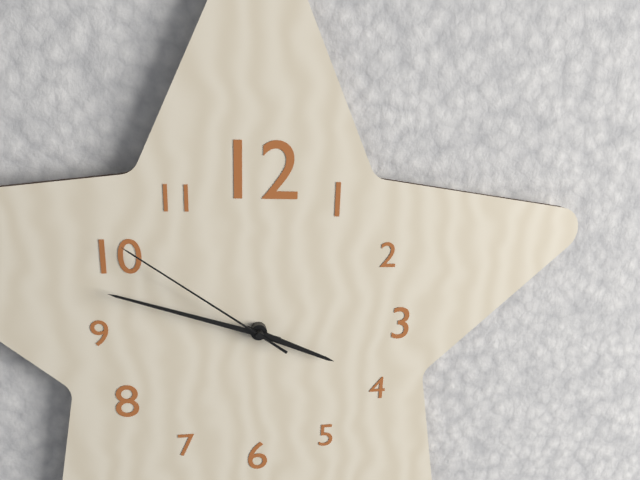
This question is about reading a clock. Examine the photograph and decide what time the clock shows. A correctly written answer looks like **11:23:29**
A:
**3:48:51**
